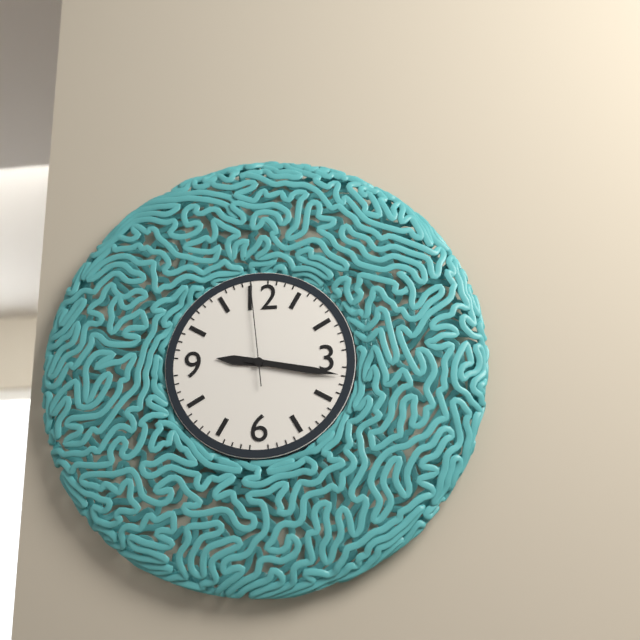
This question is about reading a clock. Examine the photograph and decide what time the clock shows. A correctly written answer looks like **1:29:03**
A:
**9:17:59**
